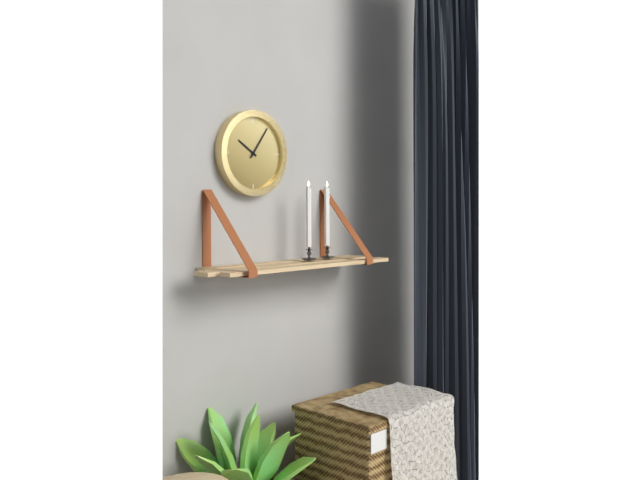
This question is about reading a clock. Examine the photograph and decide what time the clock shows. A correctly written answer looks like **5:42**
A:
**10:06**
